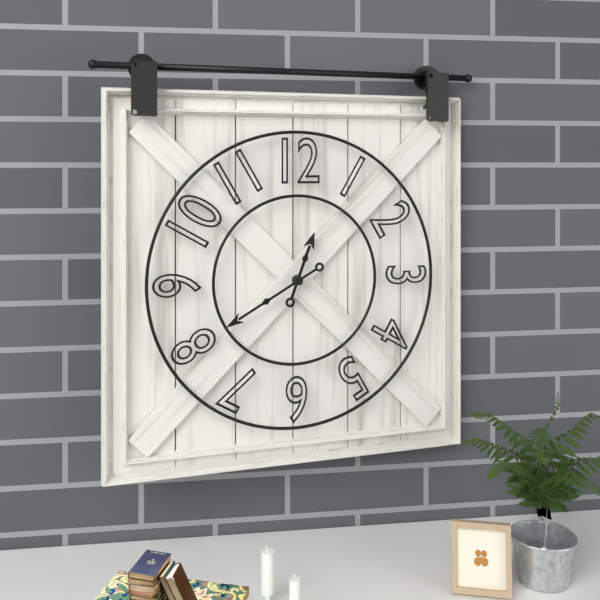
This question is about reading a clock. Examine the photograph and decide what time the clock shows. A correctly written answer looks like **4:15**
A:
**12:40**
